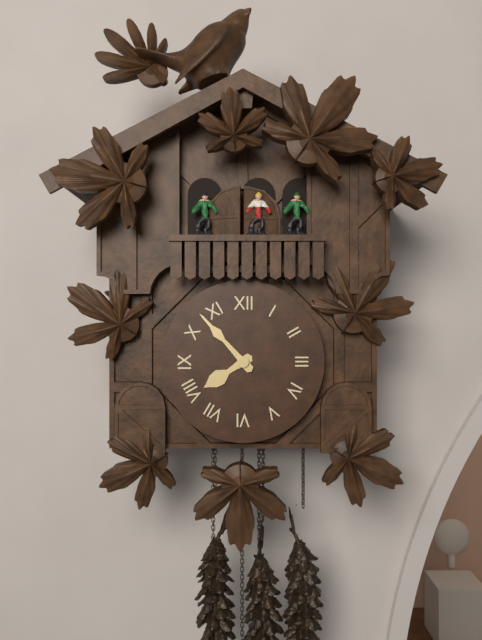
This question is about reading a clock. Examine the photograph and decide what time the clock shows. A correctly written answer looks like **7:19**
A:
**7:53**
